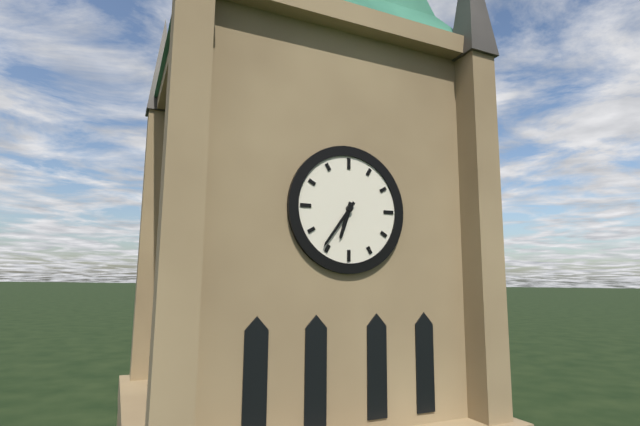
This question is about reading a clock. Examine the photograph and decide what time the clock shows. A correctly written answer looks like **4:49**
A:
**6:36**
